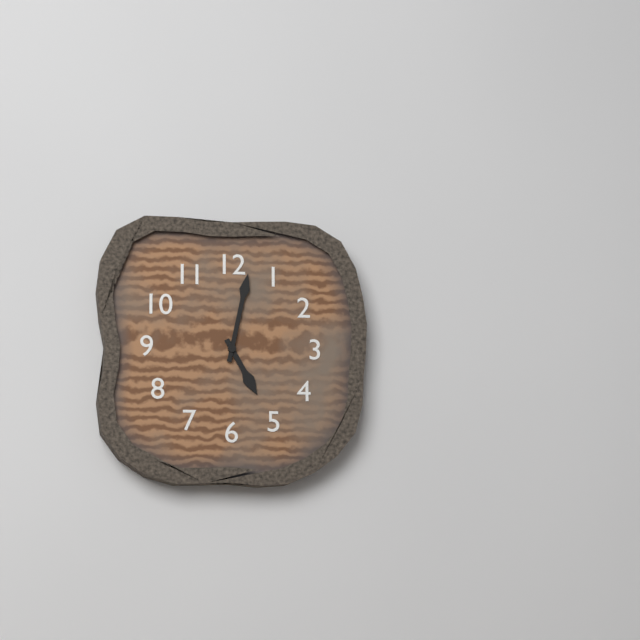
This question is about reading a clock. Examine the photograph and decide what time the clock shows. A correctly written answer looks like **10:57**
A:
**5:02**
